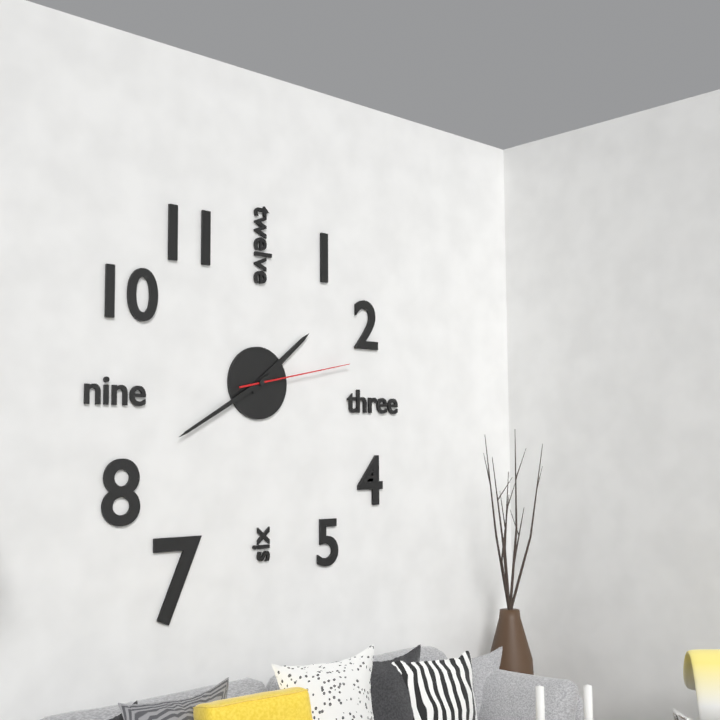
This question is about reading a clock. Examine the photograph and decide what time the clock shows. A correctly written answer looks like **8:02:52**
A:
**1:40:13**
